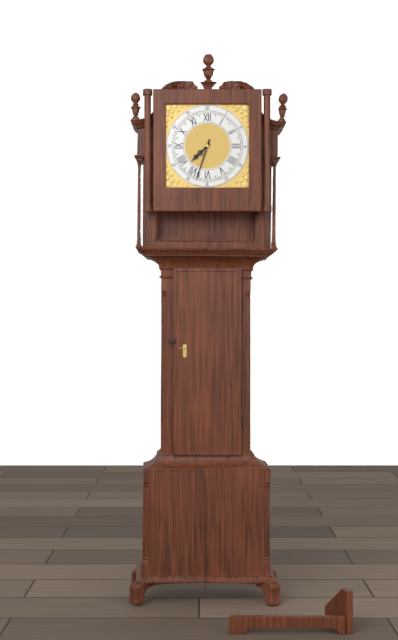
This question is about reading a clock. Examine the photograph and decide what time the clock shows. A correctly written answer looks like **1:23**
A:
**7:33**
